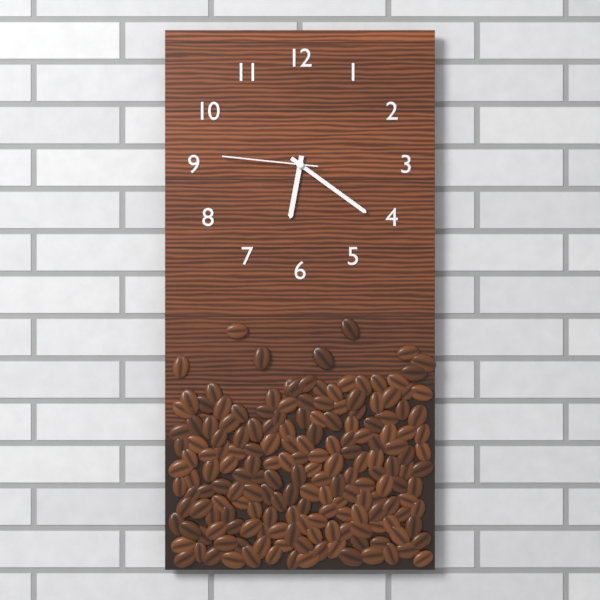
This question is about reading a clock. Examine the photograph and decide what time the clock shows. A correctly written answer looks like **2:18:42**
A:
**6:21:46**
